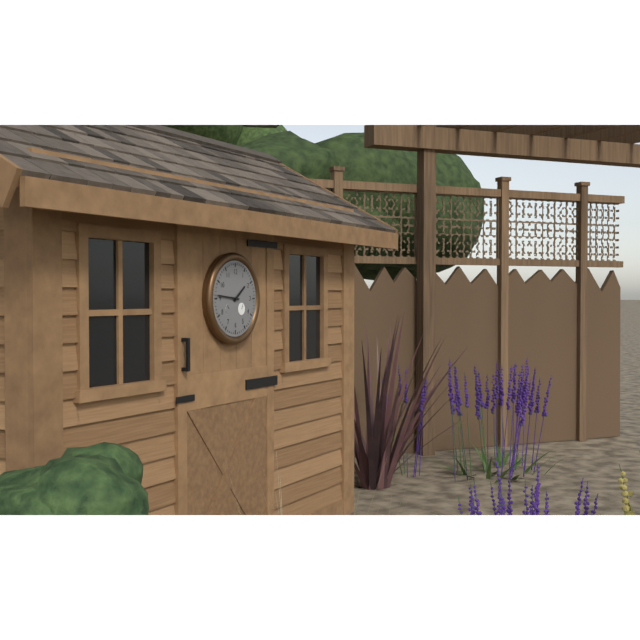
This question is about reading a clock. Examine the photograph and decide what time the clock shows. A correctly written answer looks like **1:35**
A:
**1:46**
